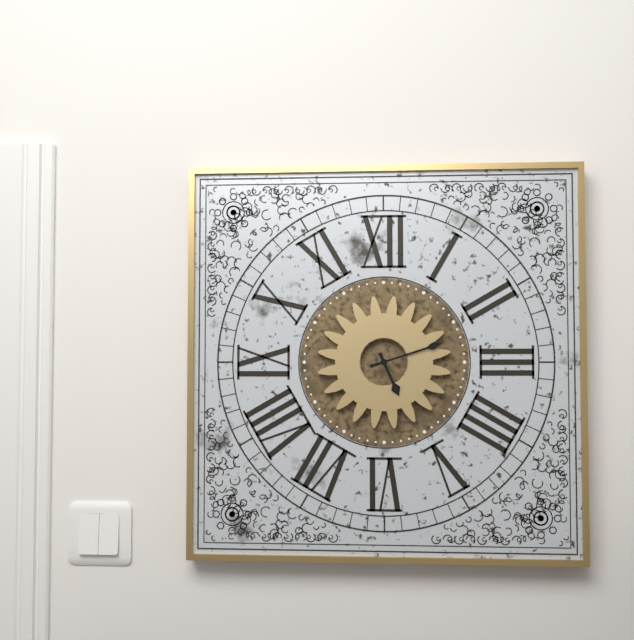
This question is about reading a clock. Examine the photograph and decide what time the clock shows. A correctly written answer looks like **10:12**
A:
**5:12**
